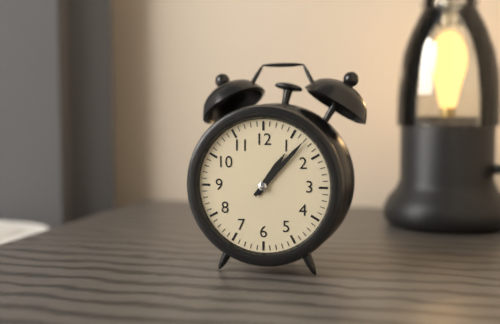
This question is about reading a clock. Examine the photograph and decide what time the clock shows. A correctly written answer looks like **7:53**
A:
**1:07**
